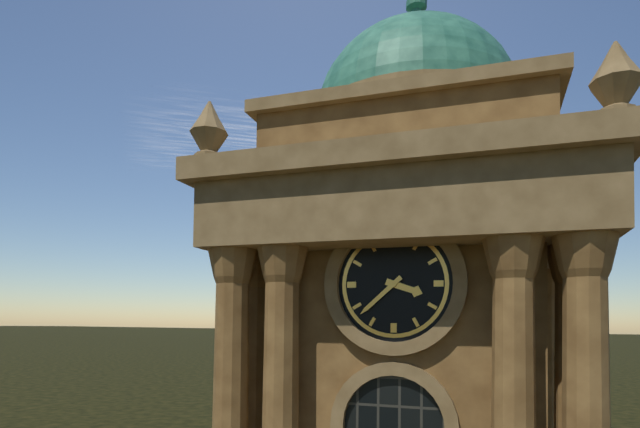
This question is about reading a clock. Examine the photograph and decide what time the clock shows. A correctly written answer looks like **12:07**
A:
**3:38**
